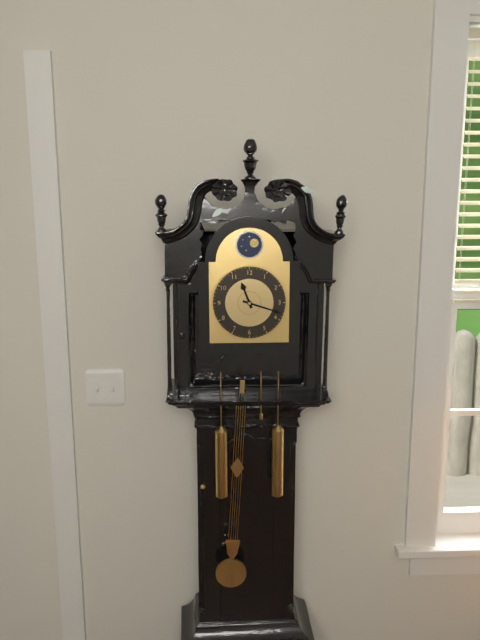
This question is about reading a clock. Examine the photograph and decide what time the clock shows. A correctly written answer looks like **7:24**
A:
**11:18**
